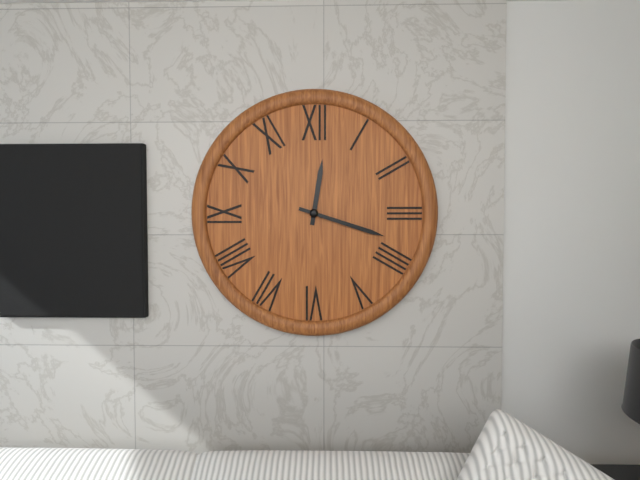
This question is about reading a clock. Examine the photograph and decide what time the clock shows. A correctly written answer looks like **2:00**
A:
**12:18**
